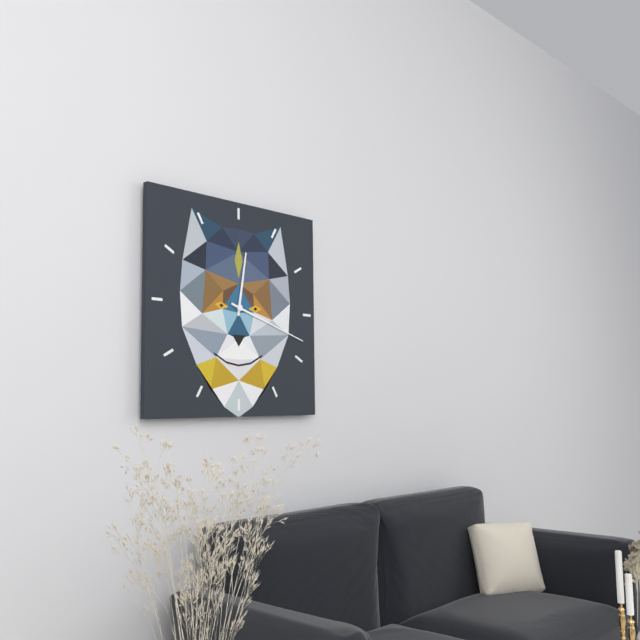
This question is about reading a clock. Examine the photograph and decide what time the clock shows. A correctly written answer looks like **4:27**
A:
**12:18**
